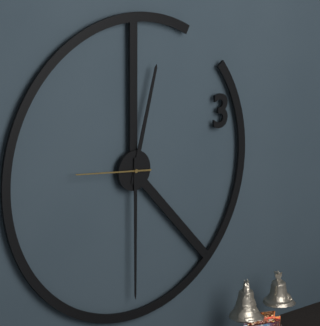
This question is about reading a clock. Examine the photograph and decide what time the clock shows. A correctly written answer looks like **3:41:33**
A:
**12:30:46**
